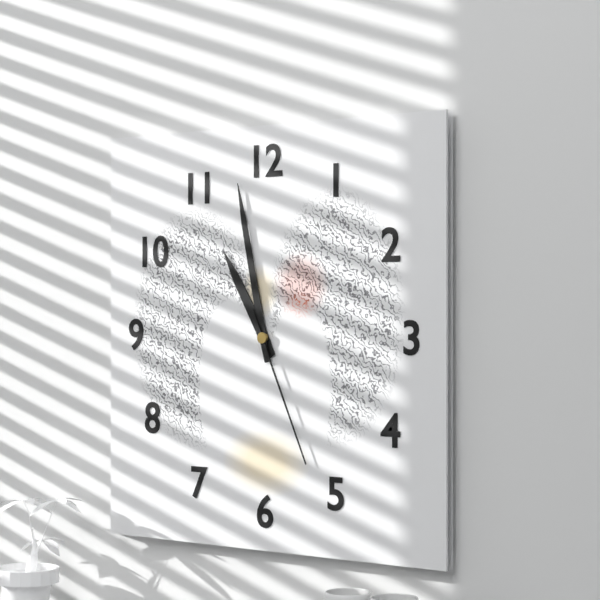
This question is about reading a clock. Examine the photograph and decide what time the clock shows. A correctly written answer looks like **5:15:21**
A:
**10:58:26**
